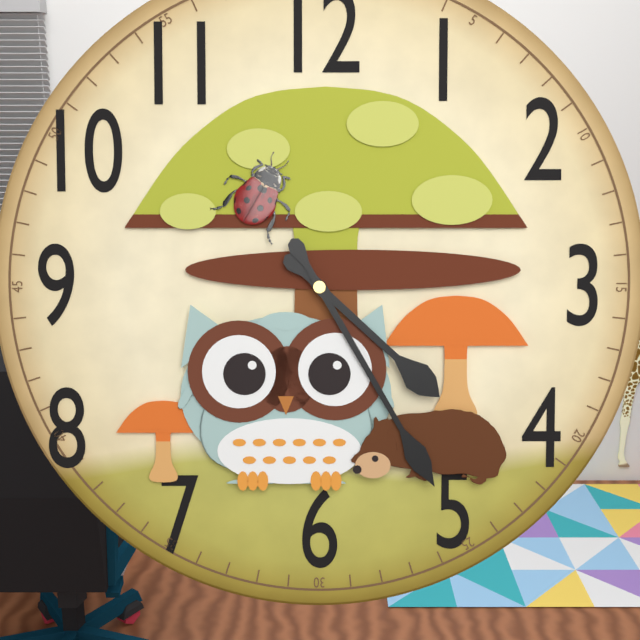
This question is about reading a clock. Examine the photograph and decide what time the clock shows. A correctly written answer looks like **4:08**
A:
**4:25**
